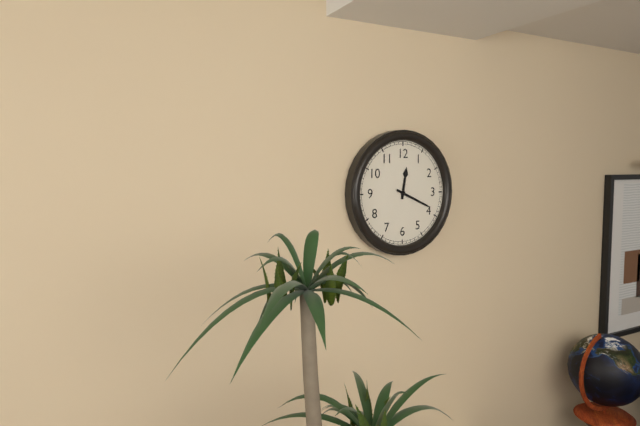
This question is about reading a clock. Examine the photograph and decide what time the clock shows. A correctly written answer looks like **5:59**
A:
**12:19**
